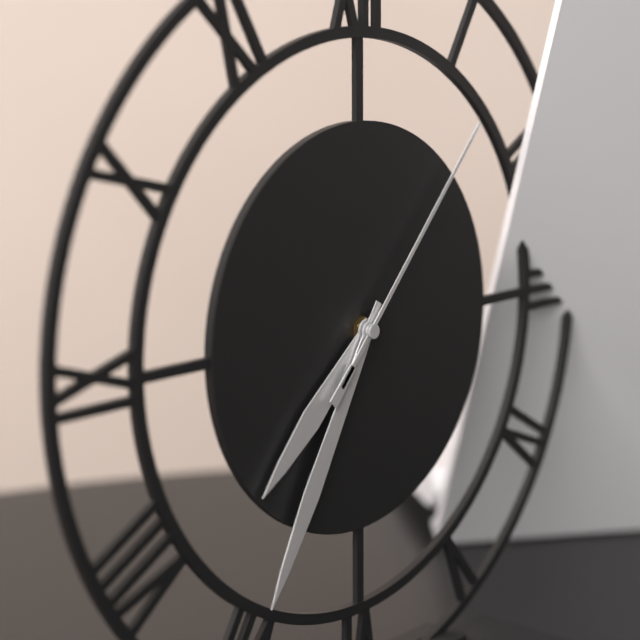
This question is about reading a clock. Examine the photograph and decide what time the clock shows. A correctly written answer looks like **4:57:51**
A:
**7:35:07**
